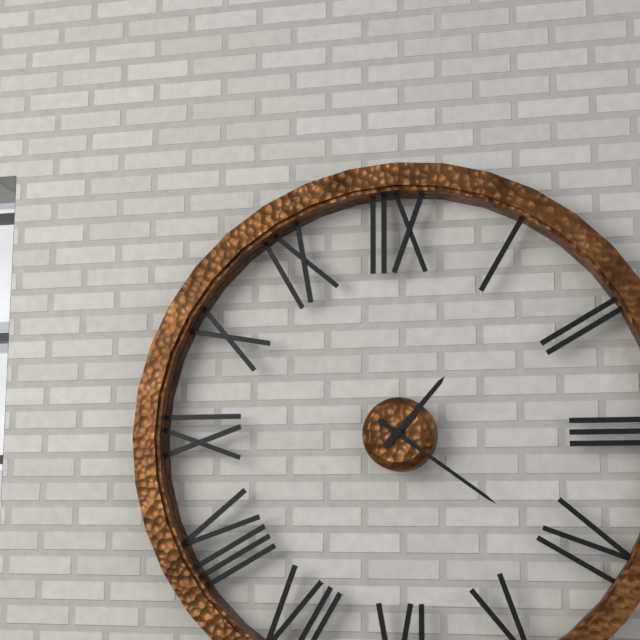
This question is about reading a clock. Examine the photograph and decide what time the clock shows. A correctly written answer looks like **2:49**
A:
**1:21**
